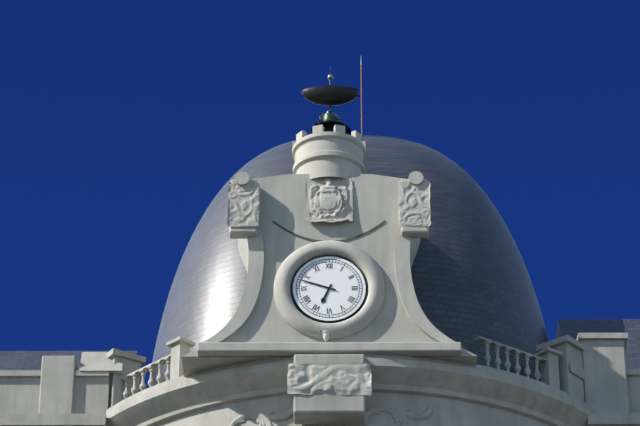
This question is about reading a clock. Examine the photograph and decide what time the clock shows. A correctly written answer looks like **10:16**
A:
**6:48**
